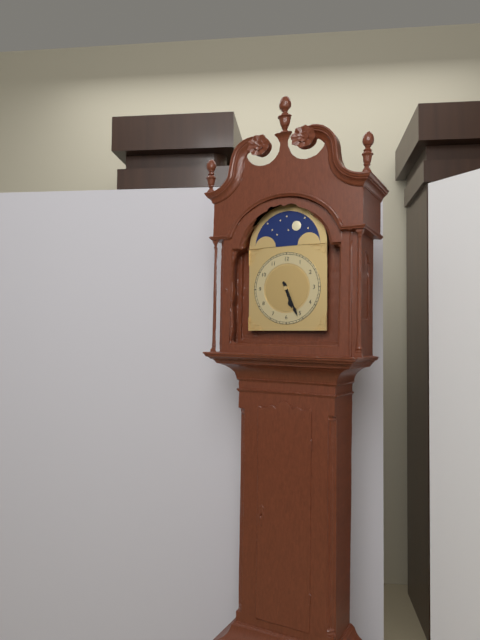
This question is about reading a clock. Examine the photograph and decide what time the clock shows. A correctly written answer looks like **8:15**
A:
**5:26**
